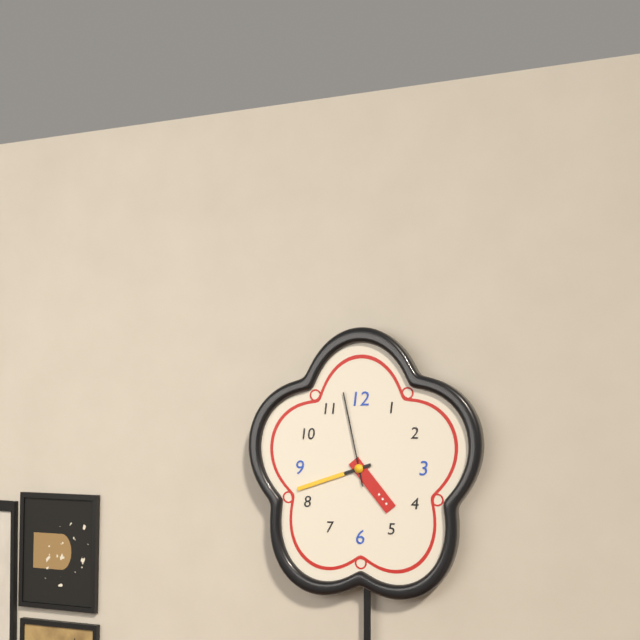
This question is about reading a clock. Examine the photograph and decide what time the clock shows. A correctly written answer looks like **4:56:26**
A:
**4:42:58**
